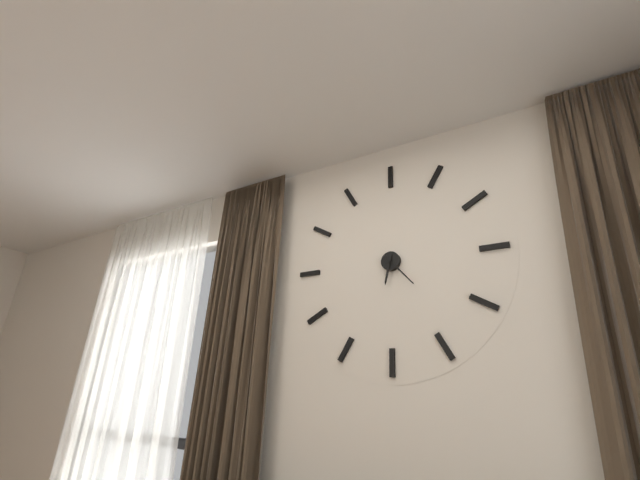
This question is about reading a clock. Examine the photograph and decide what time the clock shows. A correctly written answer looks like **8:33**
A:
**6:23**
